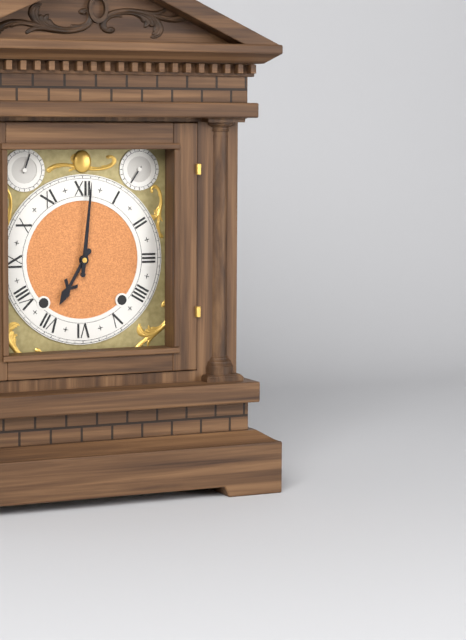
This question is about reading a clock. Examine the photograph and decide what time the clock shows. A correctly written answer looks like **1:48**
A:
**7:01**
